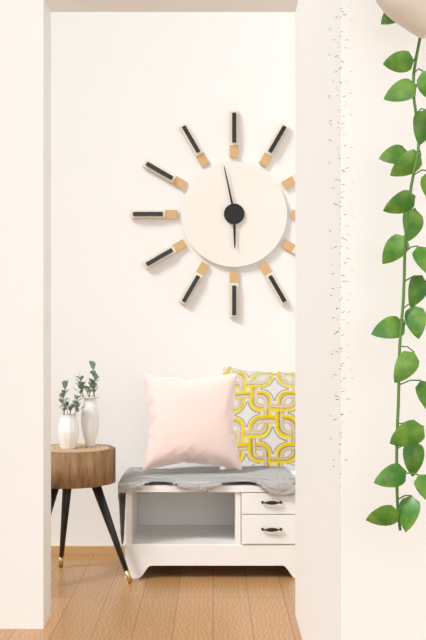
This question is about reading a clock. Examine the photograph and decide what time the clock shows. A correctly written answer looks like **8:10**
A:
**5:58**
